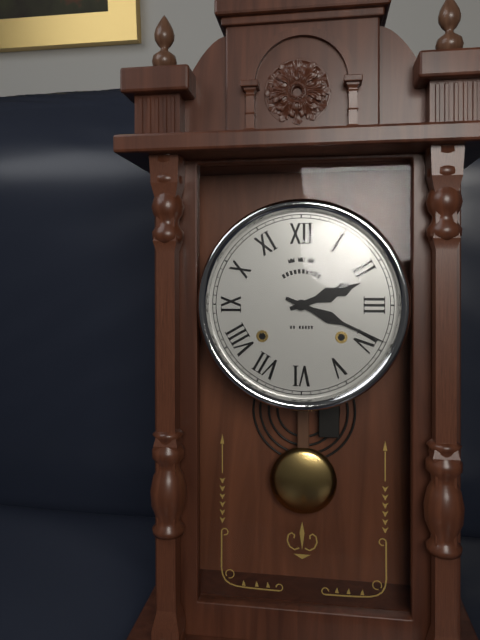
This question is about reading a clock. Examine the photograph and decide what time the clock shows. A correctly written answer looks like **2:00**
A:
**2:19**
